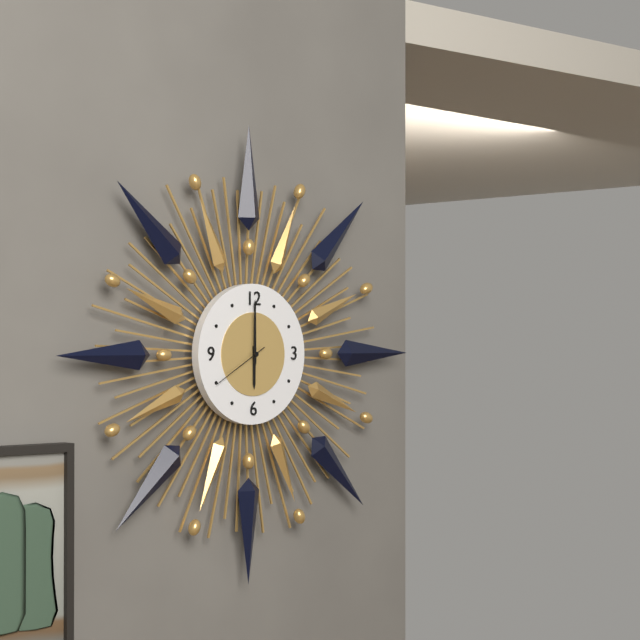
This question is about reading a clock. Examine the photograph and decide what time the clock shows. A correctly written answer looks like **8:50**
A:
**6:00**
